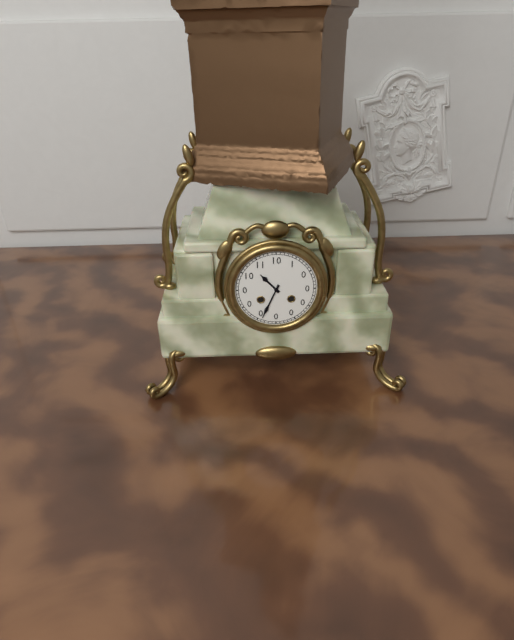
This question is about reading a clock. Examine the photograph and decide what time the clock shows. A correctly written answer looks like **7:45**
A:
**10:34**
